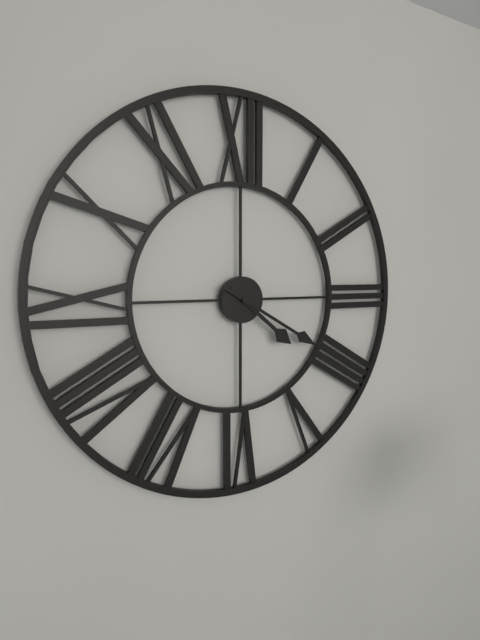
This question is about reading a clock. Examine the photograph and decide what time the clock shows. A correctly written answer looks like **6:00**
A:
**4:20**
